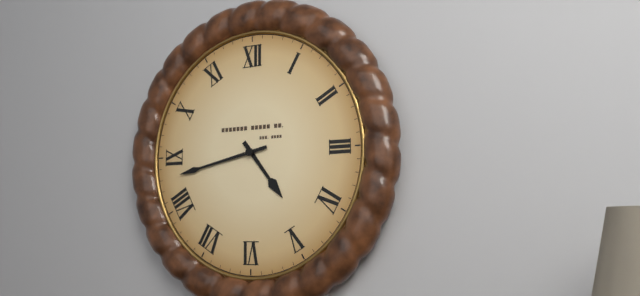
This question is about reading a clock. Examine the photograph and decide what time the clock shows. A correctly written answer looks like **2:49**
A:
**4:43**
